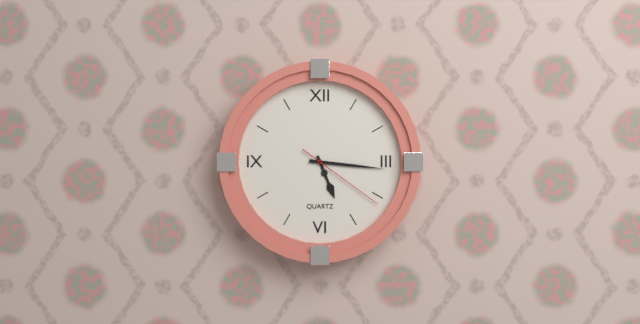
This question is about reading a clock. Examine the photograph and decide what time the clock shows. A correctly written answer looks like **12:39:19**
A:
**5:16:21**
